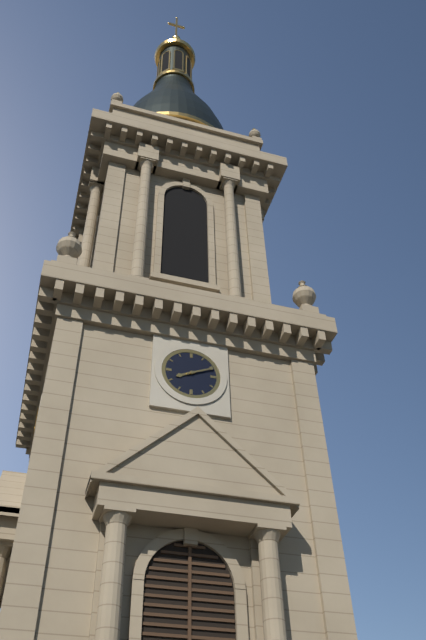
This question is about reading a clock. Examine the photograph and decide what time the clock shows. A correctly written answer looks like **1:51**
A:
**8:11**
